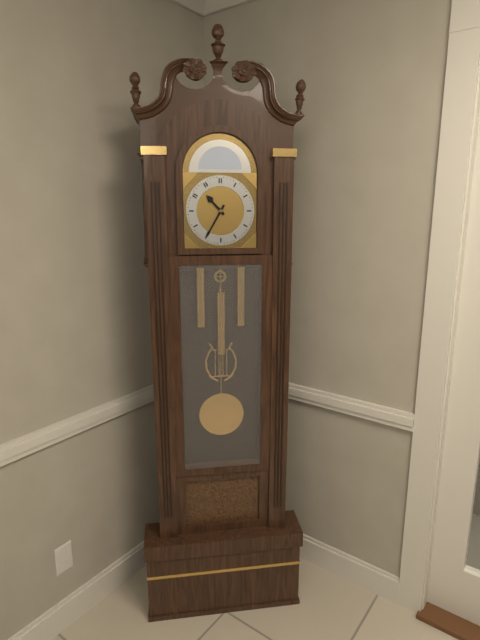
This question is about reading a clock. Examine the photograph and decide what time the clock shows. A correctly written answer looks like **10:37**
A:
**10:35**
